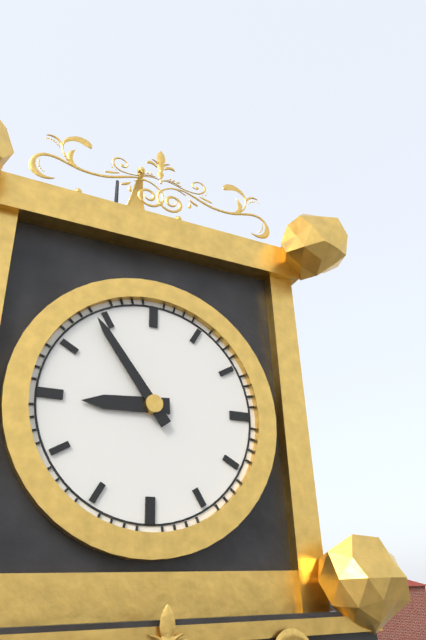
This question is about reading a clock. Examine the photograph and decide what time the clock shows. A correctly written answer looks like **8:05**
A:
**8:54**
